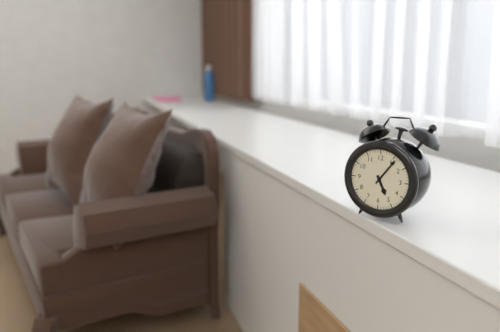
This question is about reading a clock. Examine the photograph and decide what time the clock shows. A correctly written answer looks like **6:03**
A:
**5:06**
